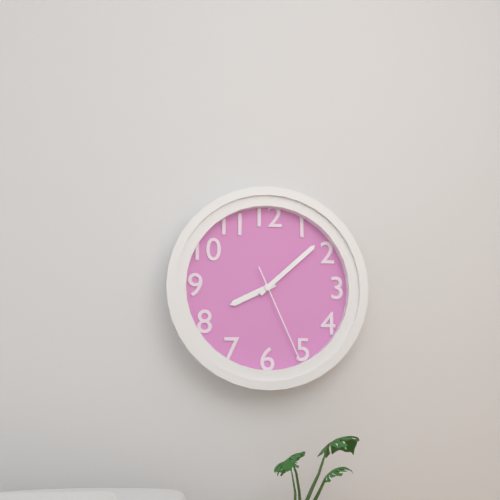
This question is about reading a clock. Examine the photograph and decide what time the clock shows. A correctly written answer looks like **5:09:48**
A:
**8:08:26**
